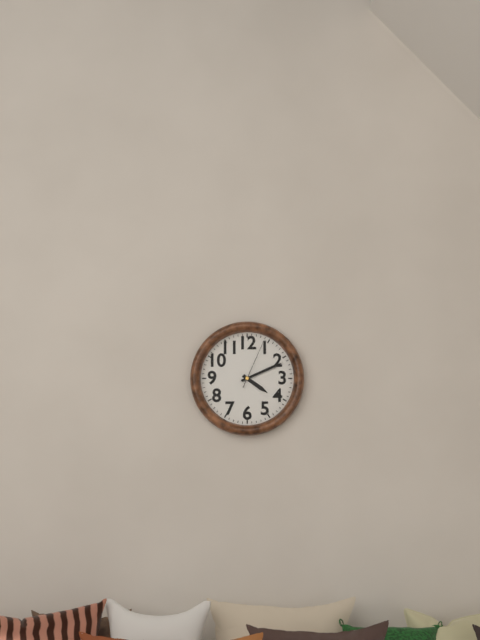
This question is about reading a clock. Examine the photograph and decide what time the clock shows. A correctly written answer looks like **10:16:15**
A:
**4:11:04**
